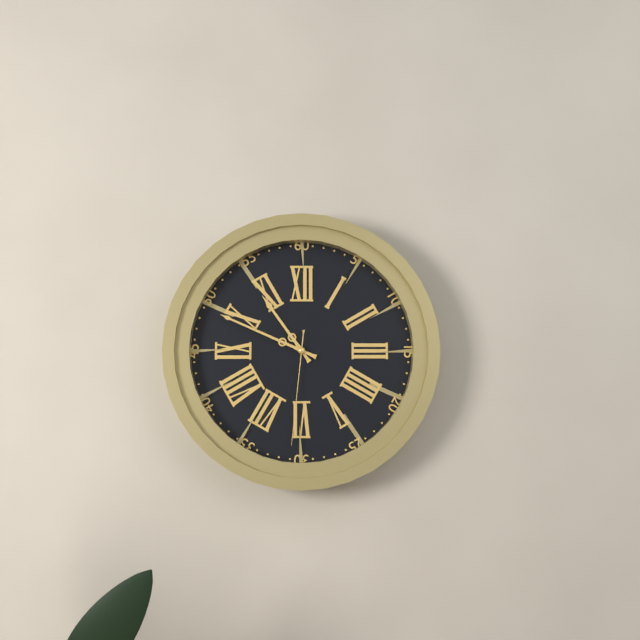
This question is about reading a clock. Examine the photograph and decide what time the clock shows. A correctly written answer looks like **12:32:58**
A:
**10:49:31**
